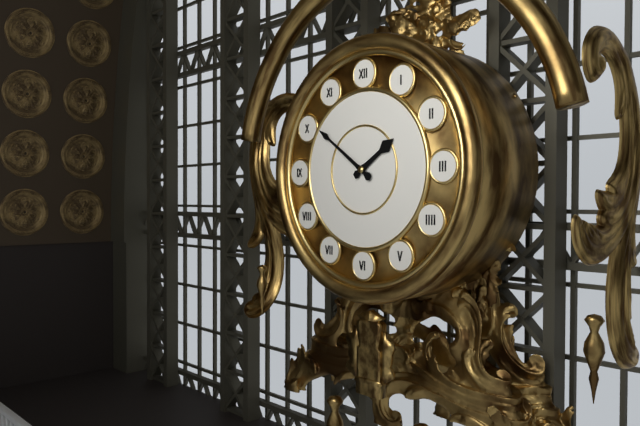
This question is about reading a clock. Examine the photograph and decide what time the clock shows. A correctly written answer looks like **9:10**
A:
**1:51**
